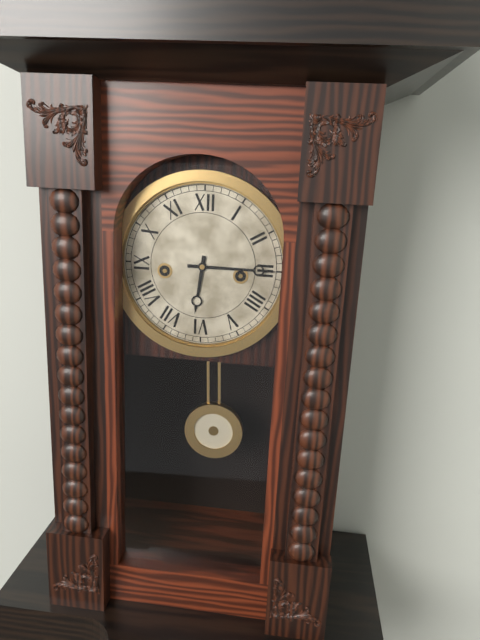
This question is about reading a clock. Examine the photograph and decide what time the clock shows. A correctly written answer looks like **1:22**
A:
**6:15**
